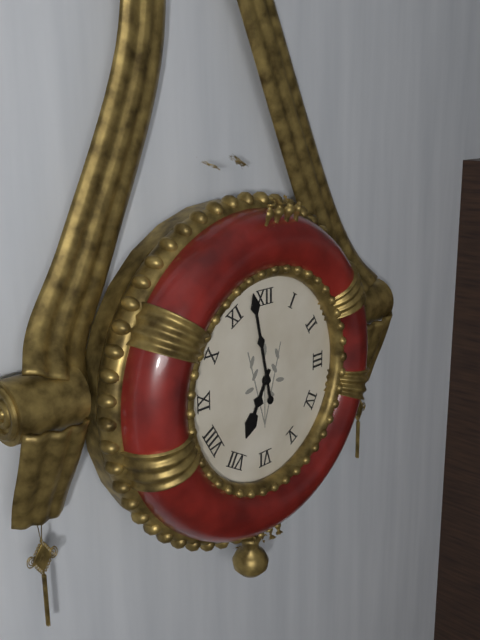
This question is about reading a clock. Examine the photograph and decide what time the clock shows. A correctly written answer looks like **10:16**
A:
**6:58**
